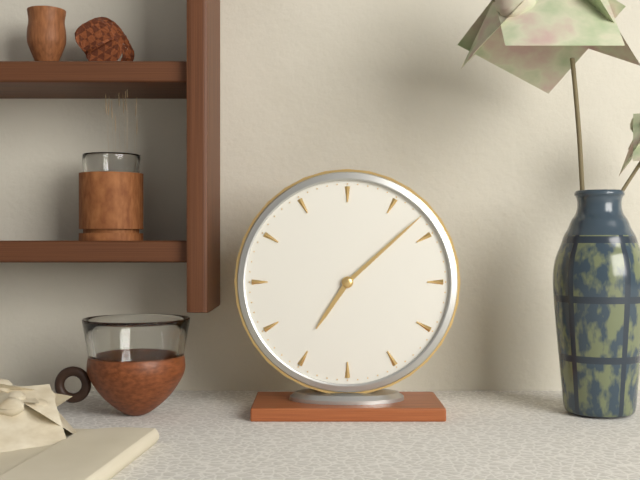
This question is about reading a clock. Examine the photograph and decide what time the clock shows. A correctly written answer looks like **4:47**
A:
**7:08**
